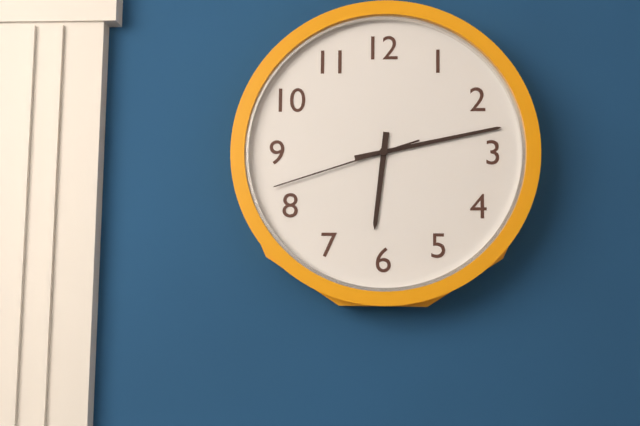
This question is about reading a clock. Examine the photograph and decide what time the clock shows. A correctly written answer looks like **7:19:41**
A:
**6:13:42**
